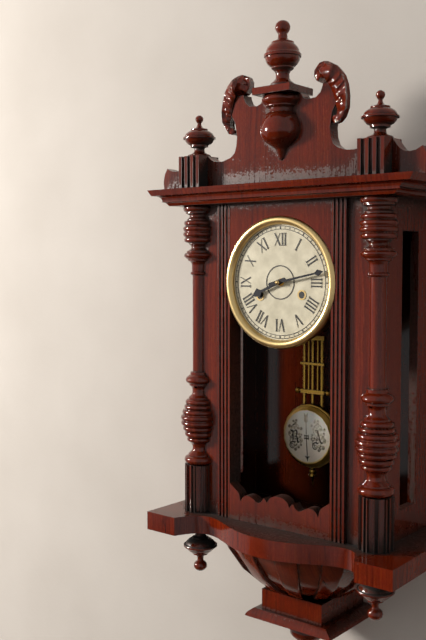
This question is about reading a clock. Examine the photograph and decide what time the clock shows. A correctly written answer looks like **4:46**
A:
**8:13**
